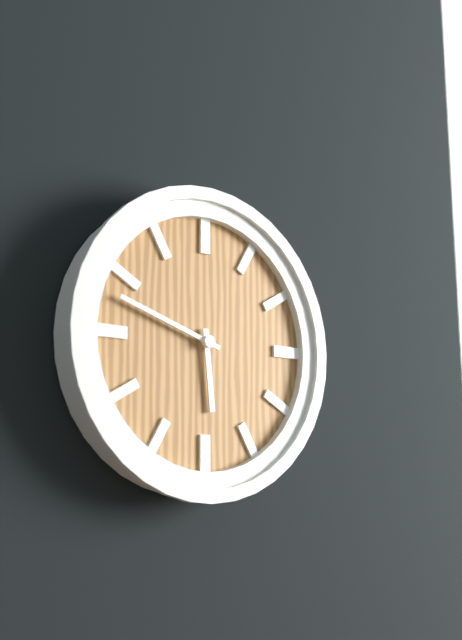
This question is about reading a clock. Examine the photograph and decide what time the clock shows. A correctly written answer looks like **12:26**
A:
**5:48**
